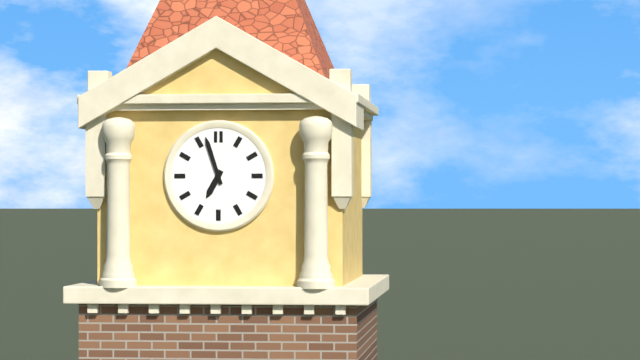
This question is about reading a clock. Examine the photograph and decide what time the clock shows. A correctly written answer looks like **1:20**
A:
**6:57**
